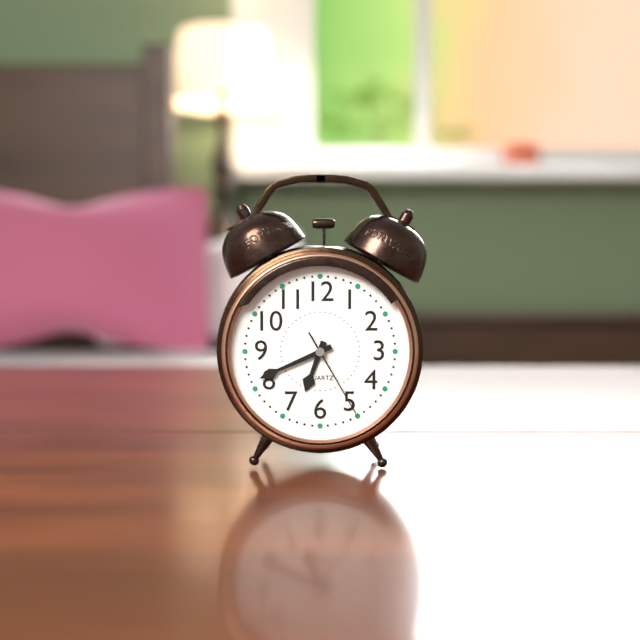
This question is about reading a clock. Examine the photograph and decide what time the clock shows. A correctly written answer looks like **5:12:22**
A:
**6:41:25**
